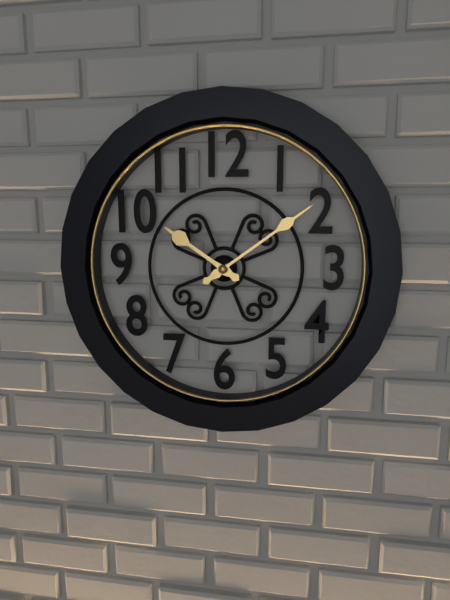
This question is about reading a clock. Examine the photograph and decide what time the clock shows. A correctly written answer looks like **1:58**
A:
**10:09**
